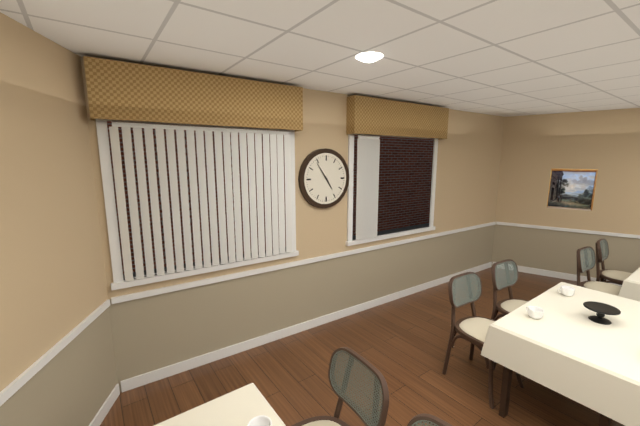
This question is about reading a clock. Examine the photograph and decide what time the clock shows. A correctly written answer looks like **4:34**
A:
**4:54**
